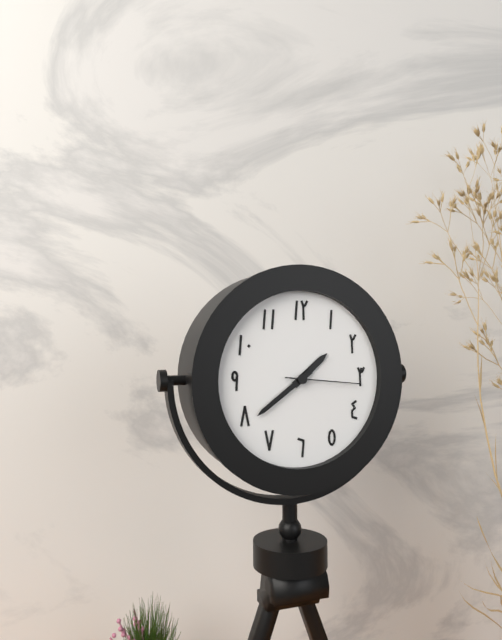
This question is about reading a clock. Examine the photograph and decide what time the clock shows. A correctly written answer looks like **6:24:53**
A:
**1:39:16**
